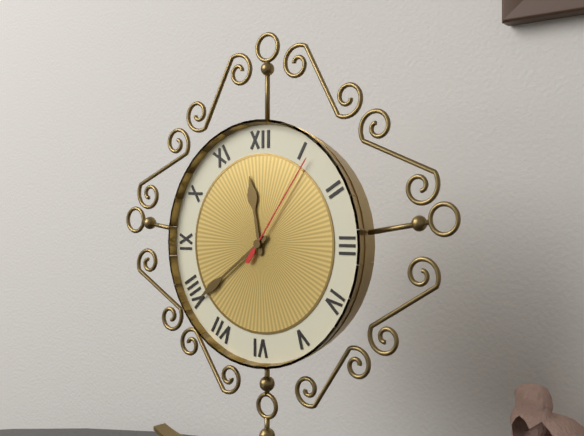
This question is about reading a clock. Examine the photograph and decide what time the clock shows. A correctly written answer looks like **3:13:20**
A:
**11:39:06**
